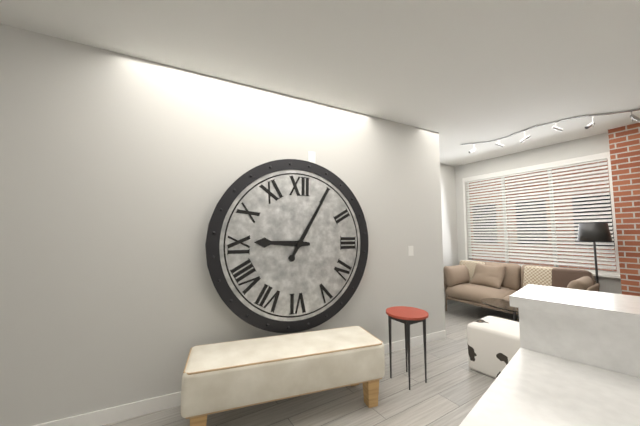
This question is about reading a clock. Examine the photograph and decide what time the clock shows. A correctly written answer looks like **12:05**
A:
**9:05**
